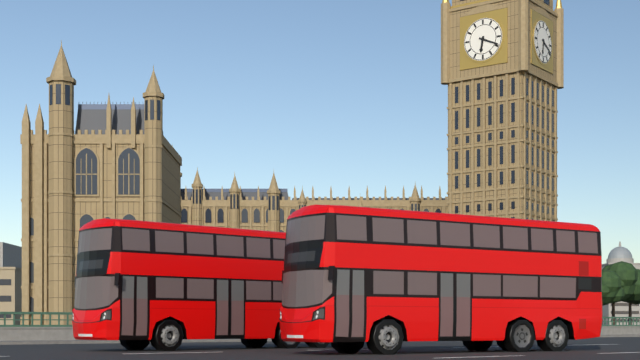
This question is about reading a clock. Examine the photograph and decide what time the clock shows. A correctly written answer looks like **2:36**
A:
**6:19**
